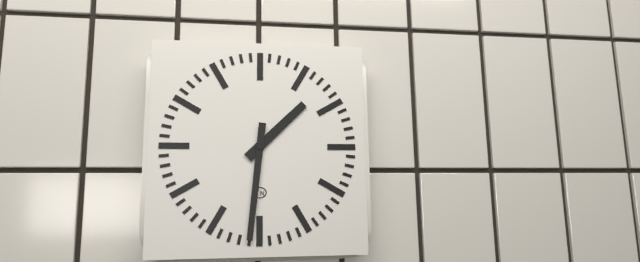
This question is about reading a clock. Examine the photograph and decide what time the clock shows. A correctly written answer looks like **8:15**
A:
**1:31**
